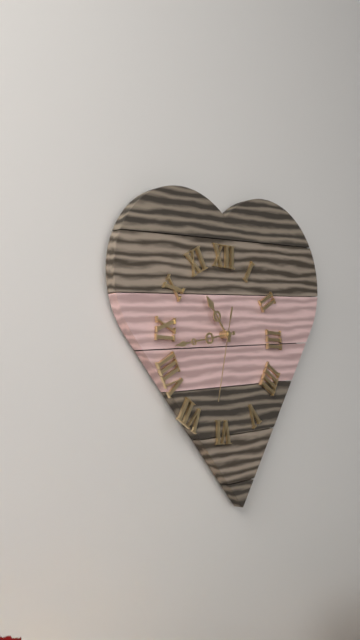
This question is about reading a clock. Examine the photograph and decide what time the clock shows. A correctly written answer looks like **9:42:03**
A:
**10:43:32**
